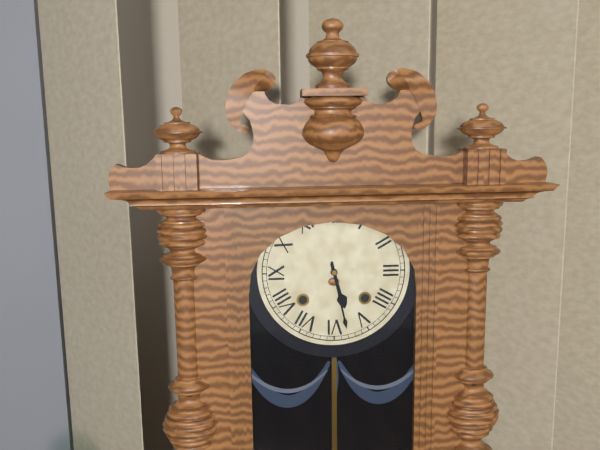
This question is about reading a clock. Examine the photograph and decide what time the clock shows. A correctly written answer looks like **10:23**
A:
**5:28**
